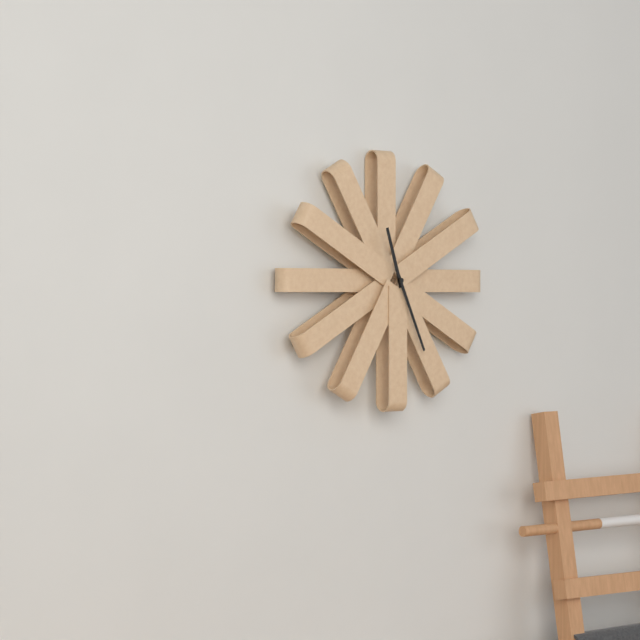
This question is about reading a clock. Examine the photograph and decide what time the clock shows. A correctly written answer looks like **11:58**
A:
**11:26**
